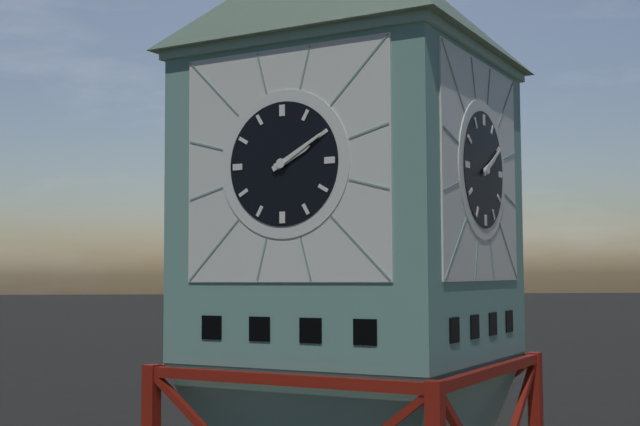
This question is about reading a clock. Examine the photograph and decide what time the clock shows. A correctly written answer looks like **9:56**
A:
**2:10**
